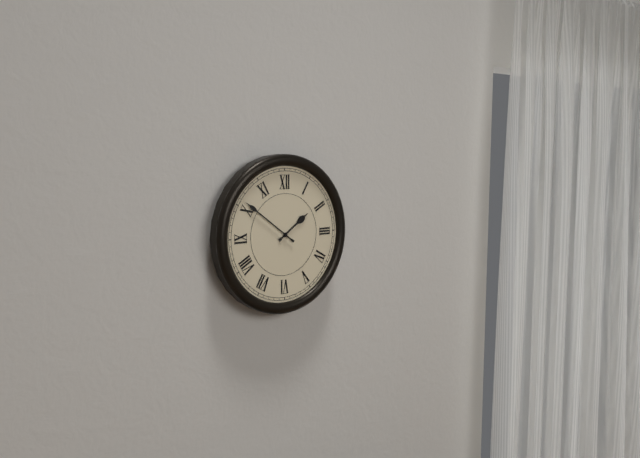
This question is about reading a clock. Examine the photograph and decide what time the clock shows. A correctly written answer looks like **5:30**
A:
**1:51**
